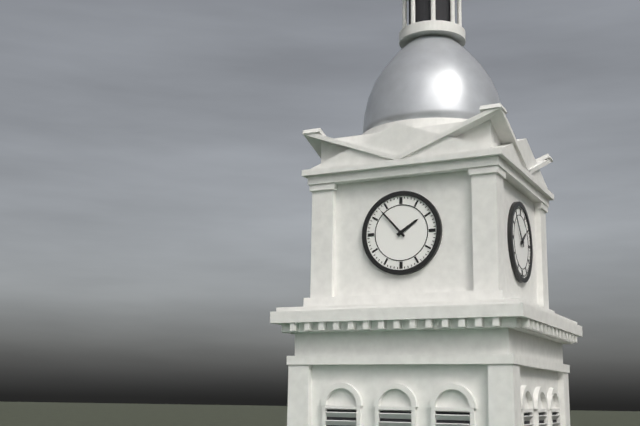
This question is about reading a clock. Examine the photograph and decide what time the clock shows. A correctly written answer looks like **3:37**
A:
**1:53**
